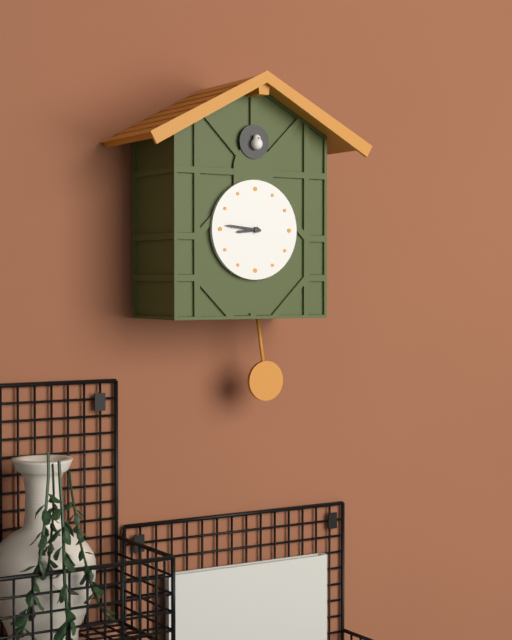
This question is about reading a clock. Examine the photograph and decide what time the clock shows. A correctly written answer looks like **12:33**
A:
**8:46**
